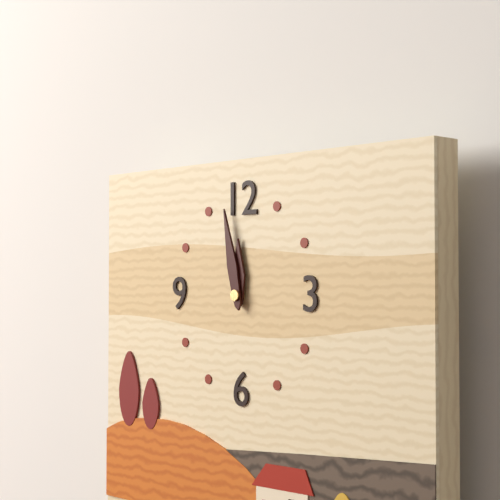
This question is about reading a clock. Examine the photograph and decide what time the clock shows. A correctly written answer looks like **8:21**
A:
**11:58**
